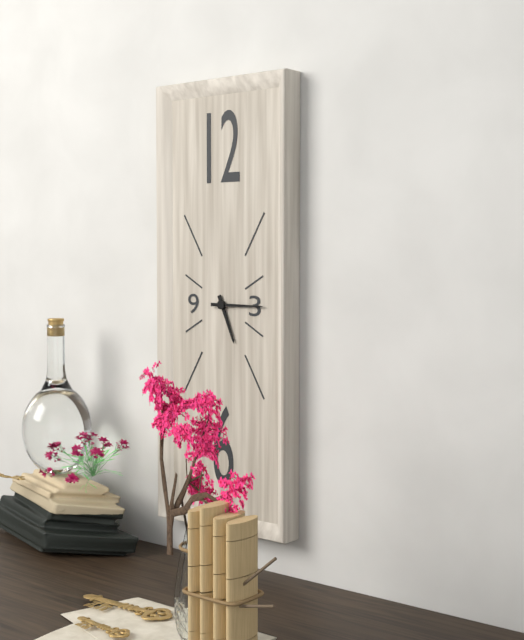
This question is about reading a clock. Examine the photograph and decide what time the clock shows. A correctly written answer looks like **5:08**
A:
**5:15**
